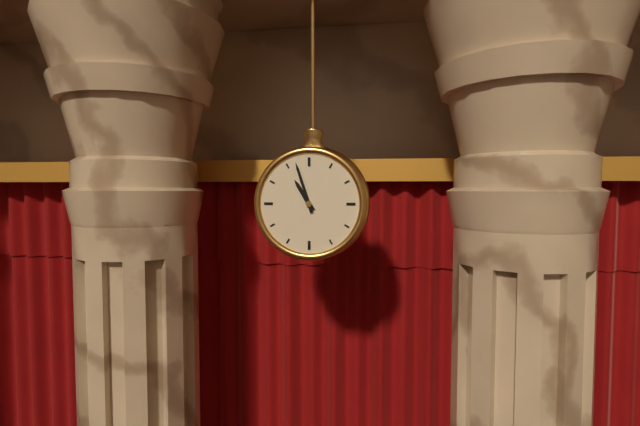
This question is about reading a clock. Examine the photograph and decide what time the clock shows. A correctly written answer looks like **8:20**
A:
**10:57**
